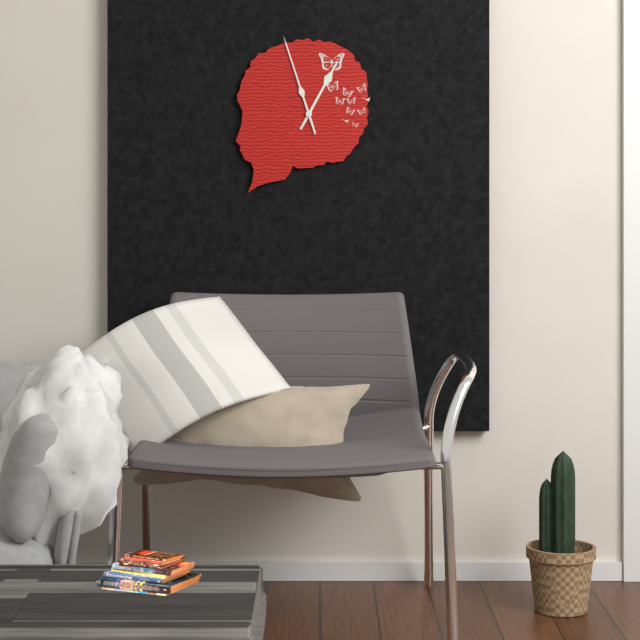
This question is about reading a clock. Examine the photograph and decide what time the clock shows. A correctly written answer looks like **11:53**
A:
**12:57**
